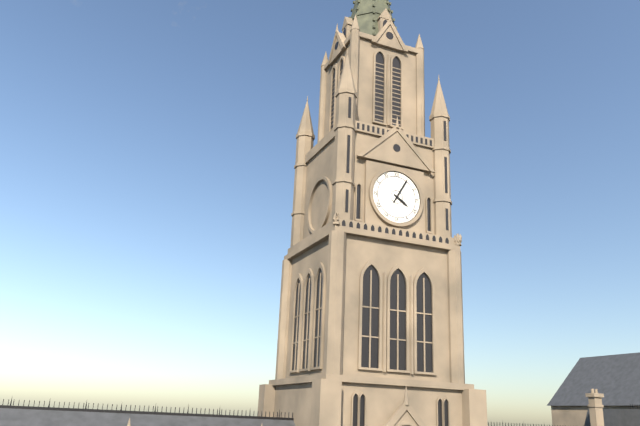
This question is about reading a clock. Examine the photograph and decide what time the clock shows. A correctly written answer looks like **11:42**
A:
**4:05**
